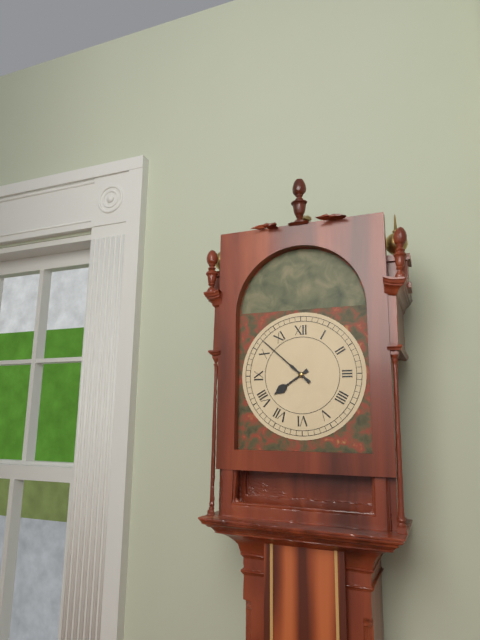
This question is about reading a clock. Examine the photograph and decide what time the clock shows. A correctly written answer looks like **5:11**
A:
**7:52**
